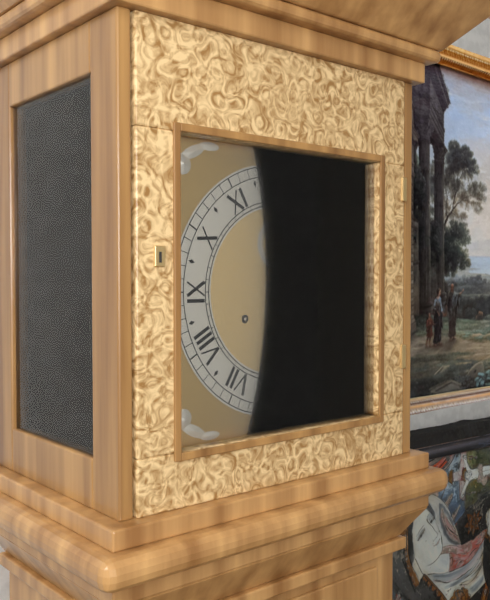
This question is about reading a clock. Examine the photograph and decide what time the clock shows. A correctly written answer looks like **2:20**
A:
**1:02**
